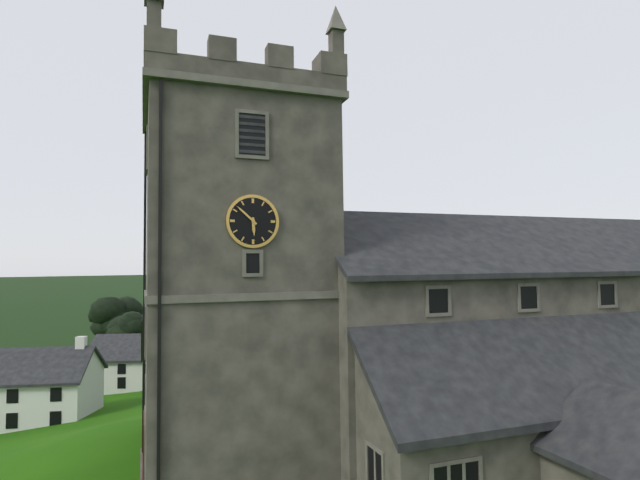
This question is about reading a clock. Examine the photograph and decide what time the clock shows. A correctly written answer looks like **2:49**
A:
**5:52**
